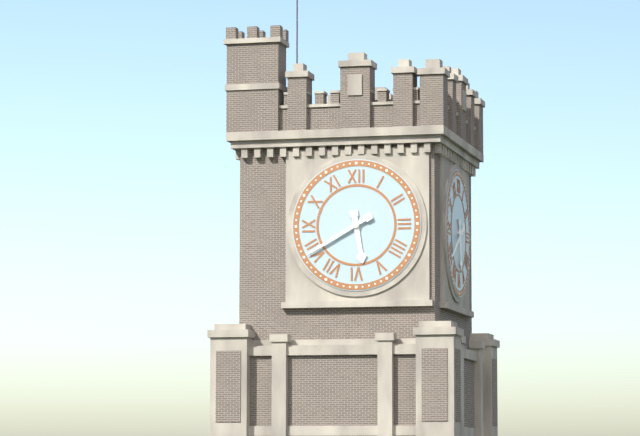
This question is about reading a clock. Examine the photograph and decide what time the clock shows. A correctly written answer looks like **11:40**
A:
**5:40**
